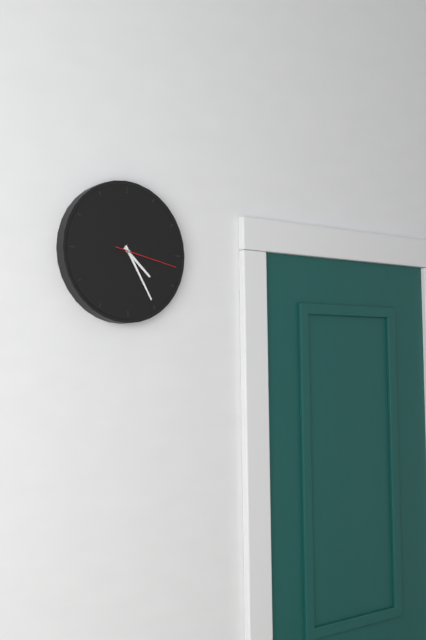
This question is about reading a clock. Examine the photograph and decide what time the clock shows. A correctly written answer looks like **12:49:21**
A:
**4:25:17**
